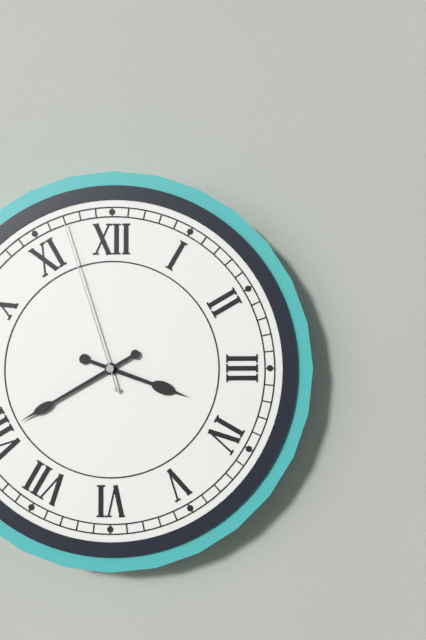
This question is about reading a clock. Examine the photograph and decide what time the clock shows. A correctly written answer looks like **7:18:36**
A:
**3:40:57**
